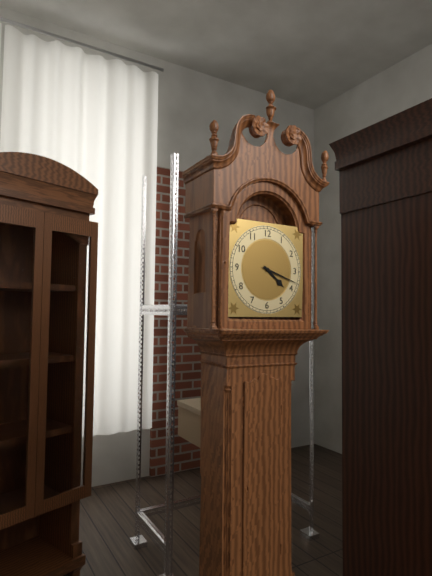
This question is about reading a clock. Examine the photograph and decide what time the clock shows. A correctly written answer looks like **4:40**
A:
**4:18**
